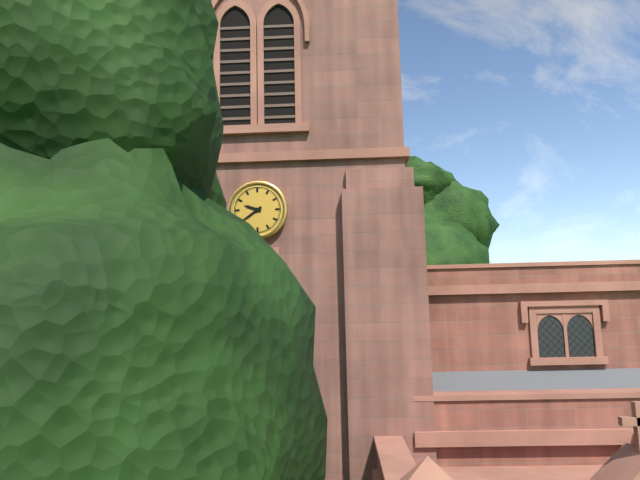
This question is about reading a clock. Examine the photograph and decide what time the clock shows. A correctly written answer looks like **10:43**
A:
**9:39**
